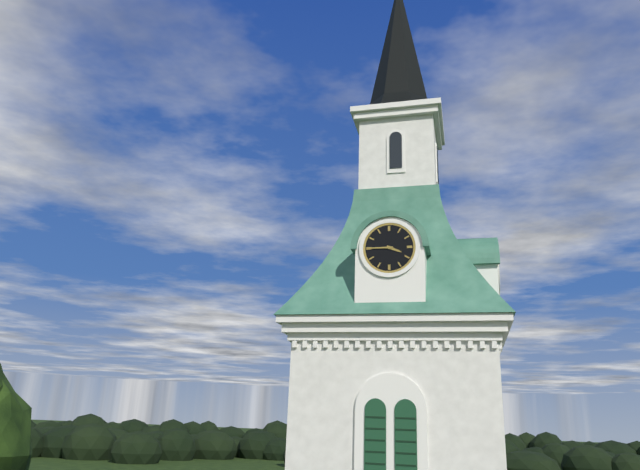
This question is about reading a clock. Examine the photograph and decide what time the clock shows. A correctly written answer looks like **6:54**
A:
**3:45**
